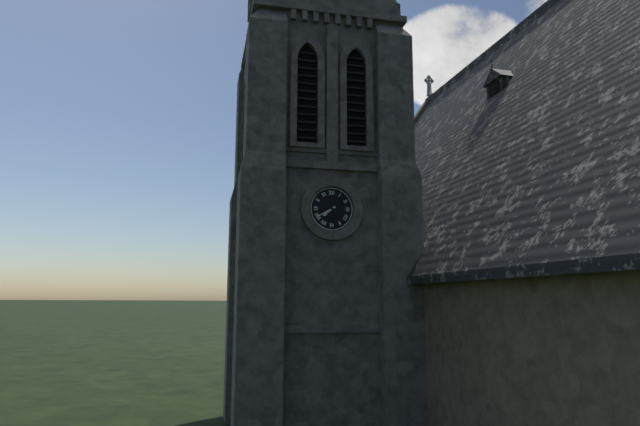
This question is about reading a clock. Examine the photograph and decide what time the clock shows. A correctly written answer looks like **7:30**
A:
**7:40**
